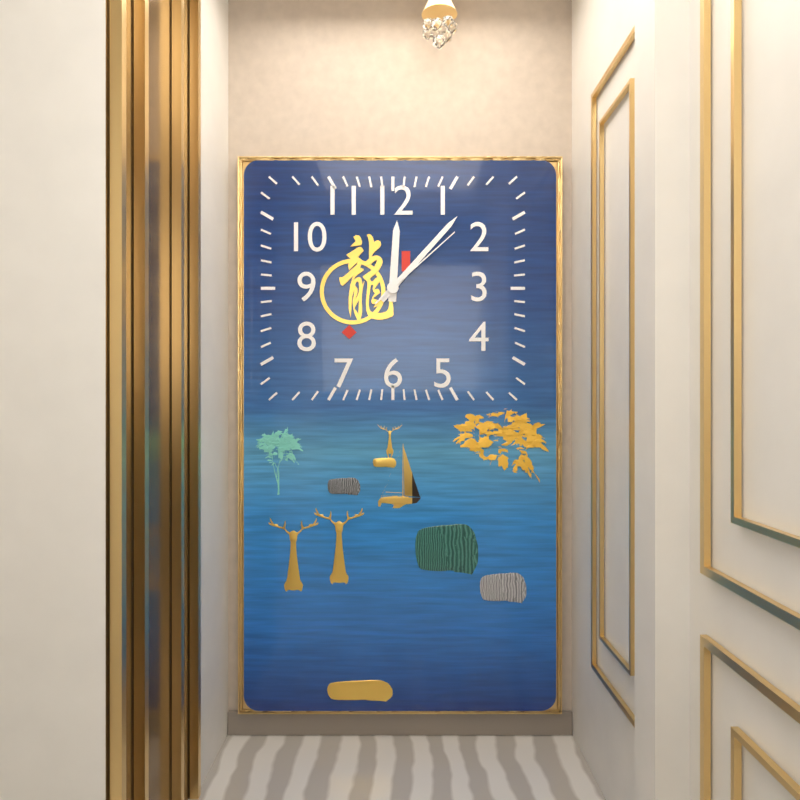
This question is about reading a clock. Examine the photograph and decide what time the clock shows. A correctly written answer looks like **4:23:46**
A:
**12:07:08**
